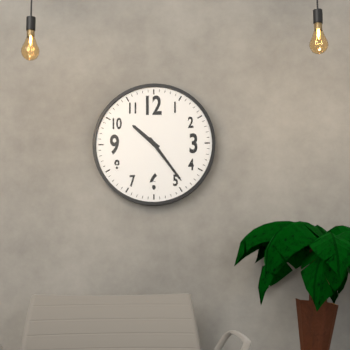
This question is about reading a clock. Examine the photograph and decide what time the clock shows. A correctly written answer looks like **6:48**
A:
**10:24**
